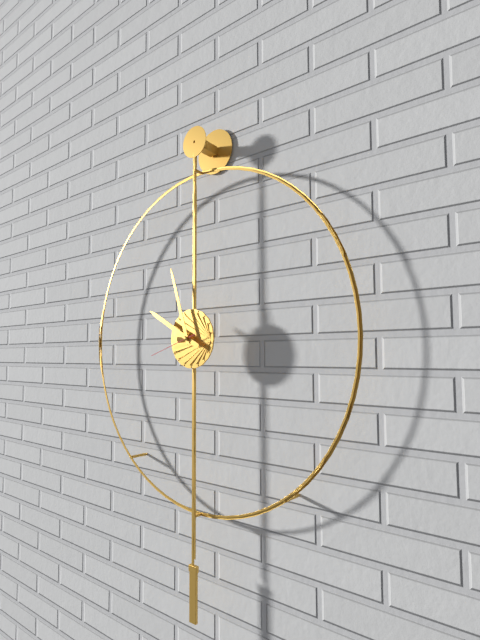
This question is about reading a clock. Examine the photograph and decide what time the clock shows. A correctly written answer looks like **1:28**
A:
**9:57**
